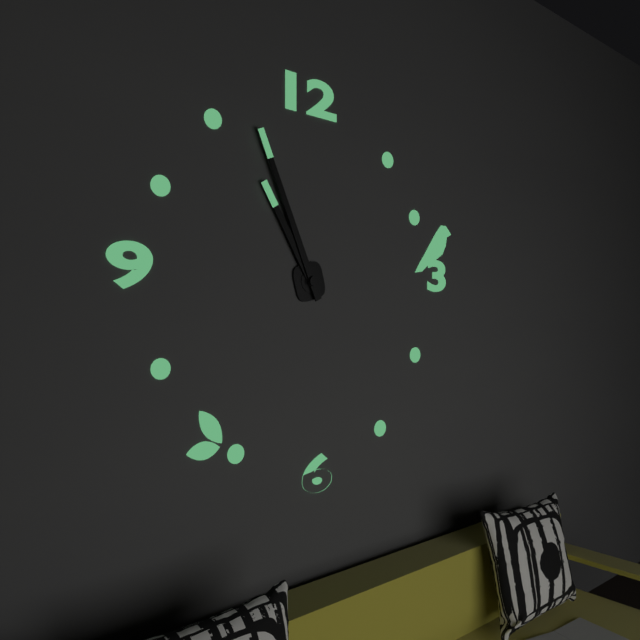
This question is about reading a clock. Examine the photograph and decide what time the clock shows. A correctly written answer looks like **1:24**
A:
**10:56**
